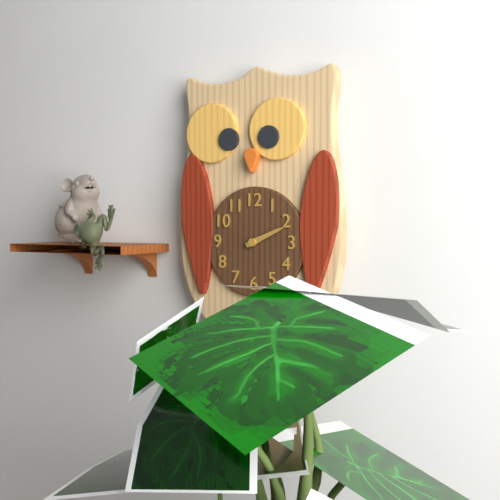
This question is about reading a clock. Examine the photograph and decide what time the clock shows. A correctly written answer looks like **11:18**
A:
**2:11**
